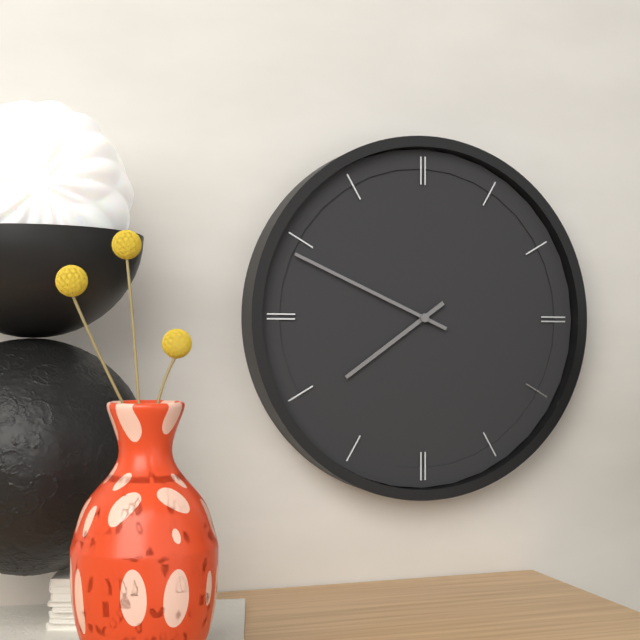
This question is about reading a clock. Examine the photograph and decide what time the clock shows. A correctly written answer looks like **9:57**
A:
**7:49**
